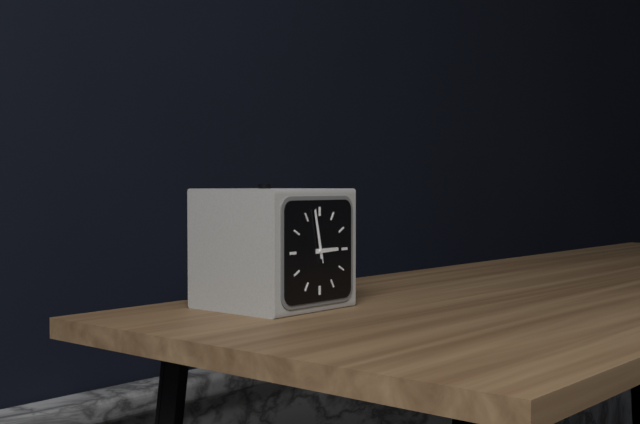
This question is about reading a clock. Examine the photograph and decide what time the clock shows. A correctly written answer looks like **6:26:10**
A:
**2:58:58**
